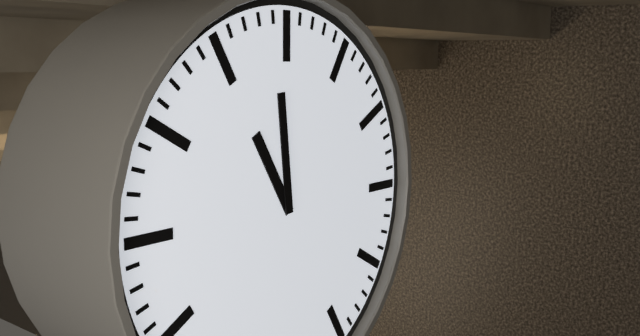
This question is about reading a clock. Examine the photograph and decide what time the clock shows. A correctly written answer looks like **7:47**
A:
**10:59**
